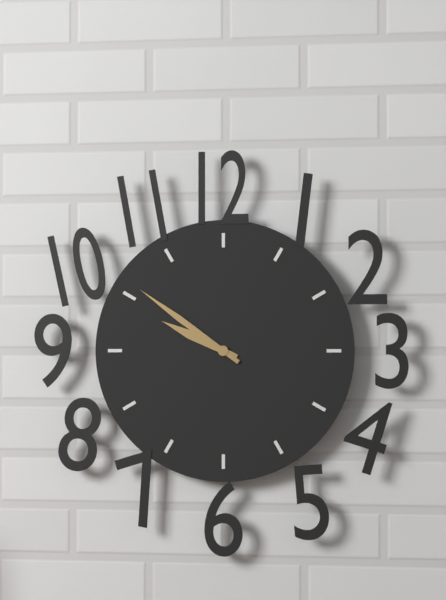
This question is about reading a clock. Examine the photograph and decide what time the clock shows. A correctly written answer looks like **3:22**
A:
**9:51**
